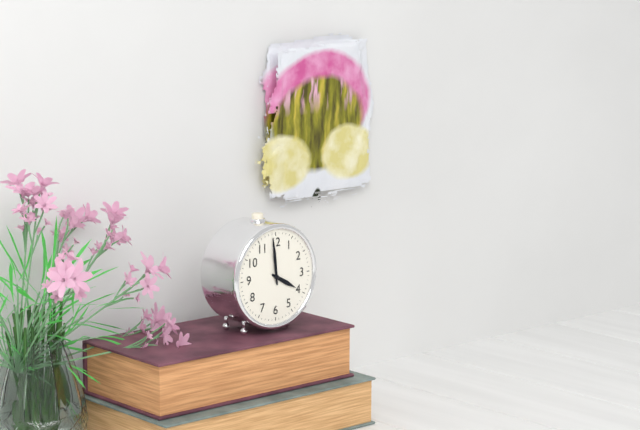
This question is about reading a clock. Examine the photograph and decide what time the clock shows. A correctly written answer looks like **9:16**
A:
**3:59**
